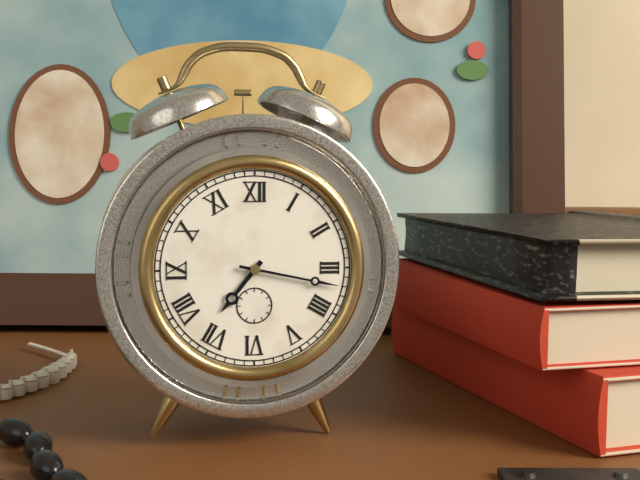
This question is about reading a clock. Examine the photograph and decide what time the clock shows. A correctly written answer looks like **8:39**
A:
**7:17**
